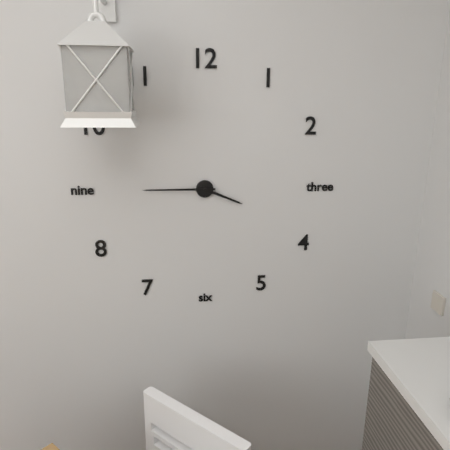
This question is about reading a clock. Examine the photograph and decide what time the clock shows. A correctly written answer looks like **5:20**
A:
**3:45**
